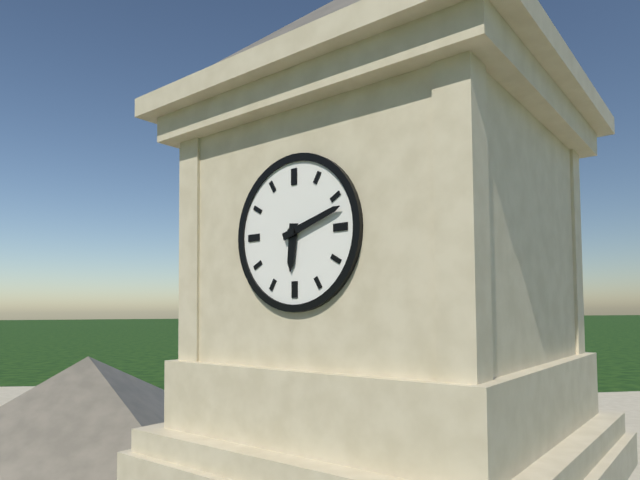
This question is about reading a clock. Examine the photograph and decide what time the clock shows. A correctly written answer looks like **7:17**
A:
**6:12**
